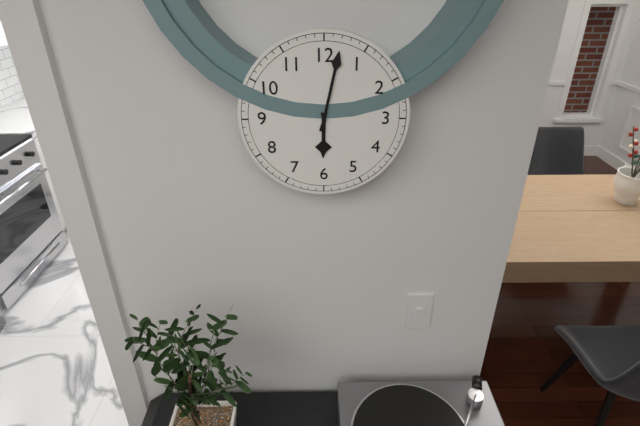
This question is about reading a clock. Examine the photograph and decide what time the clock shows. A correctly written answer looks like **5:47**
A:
**6:02**
